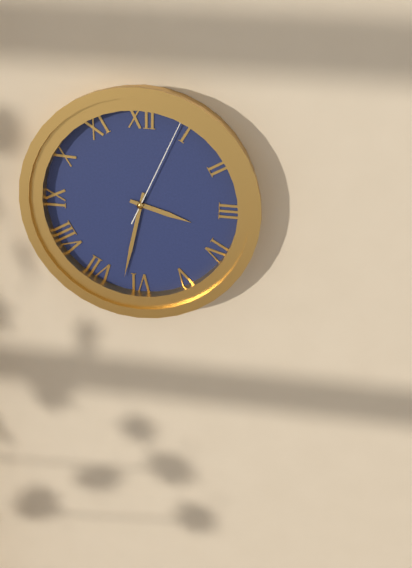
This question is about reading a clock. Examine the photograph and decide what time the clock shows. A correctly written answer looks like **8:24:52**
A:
**3:32:04**
